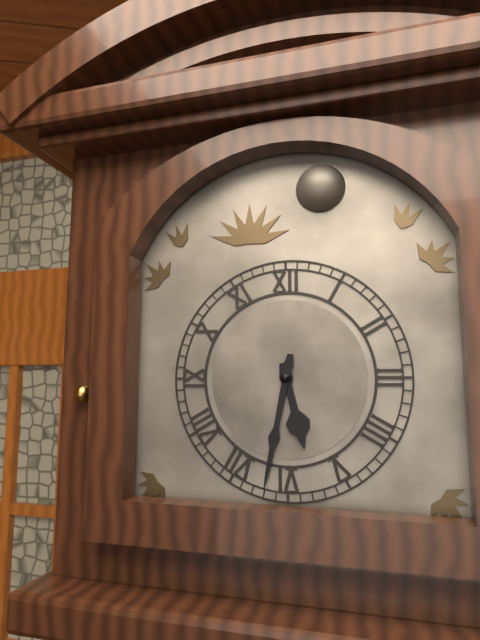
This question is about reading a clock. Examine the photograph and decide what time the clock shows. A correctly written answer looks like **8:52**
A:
**5:32**
